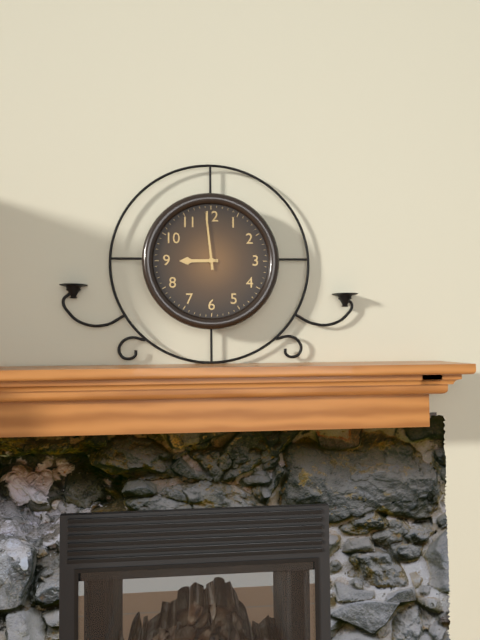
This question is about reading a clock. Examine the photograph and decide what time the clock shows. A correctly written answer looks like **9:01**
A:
**8:59**
